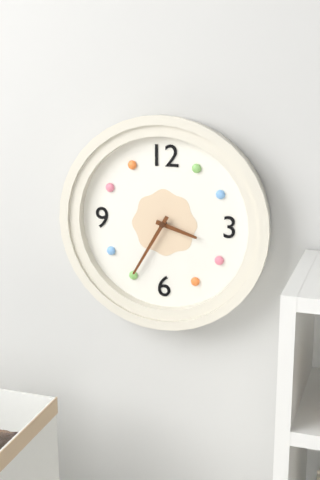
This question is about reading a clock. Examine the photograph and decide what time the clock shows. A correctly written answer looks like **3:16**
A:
**3:35**
